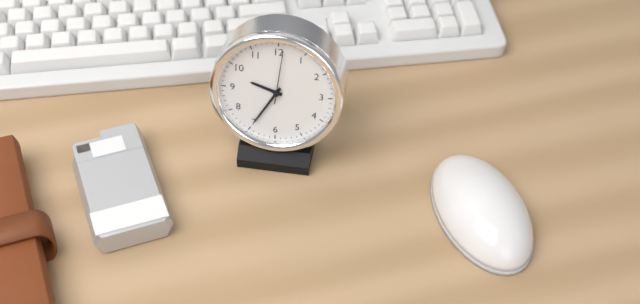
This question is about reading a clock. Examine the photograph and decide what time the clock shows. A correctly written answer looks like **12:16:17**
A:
**9:35:01**
